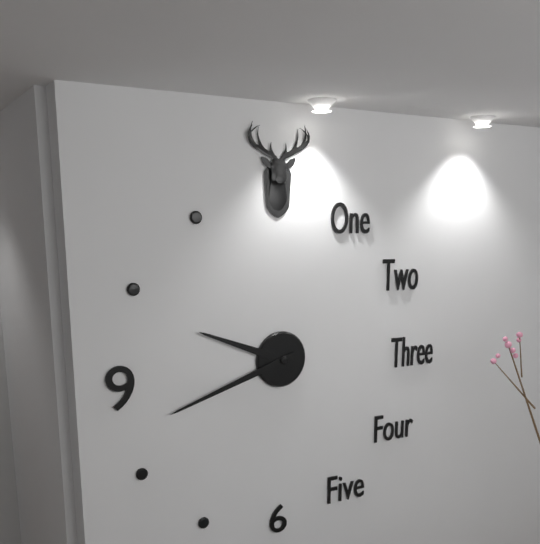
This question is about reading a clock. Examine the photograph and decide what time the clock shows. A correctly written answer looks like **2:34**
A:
**9:42**
